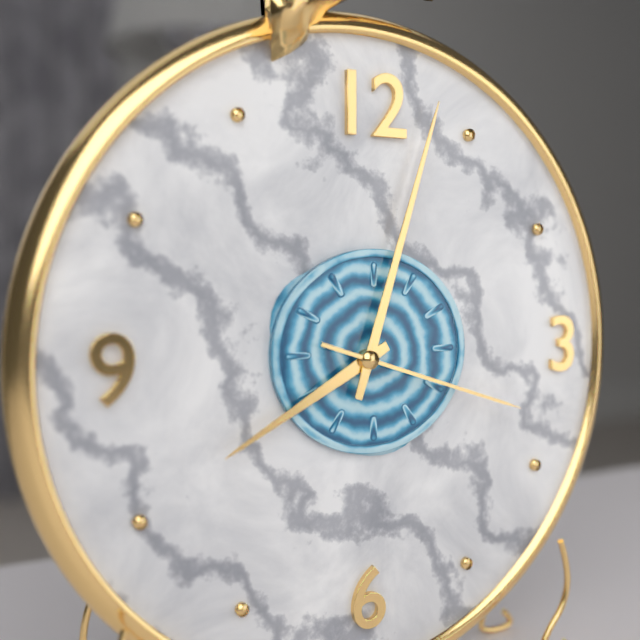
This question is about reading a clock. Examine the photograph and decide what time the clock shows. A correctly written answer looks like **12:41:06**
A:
**8:03:18**
